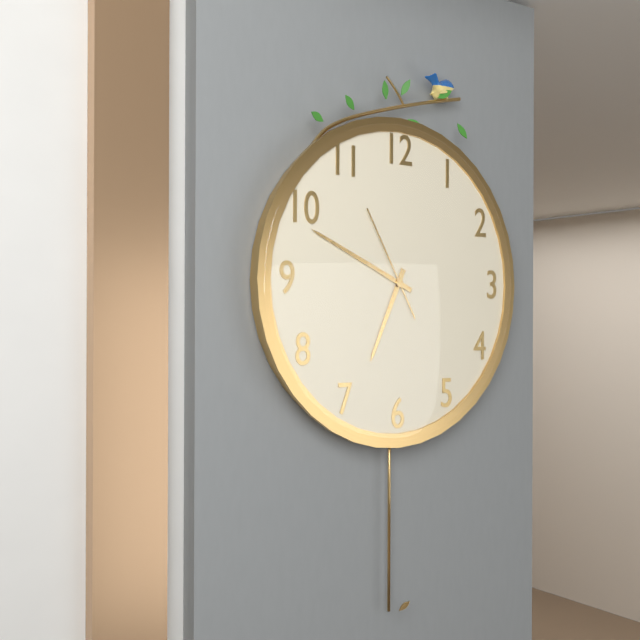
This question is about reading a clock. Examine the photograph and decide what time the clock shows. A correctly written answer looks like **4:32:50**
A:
**6:49:55**
